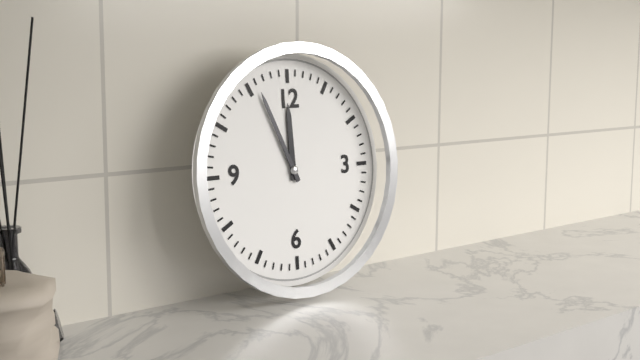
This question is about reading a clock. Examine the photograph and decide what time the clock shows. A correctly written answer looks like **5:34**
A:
**11:56**
